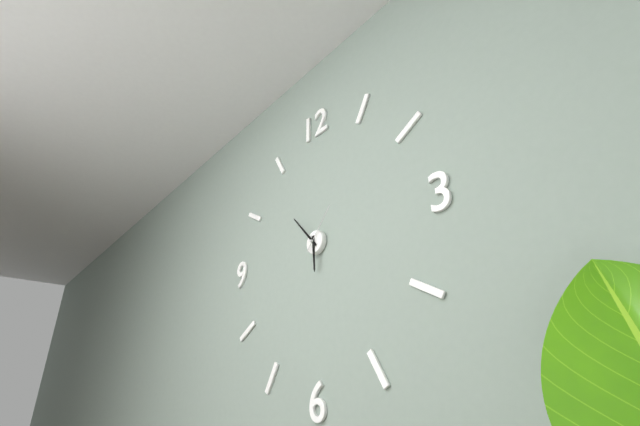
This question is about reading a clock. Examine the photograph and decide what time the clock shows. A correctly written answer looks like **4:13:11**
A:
**5:53:07**
